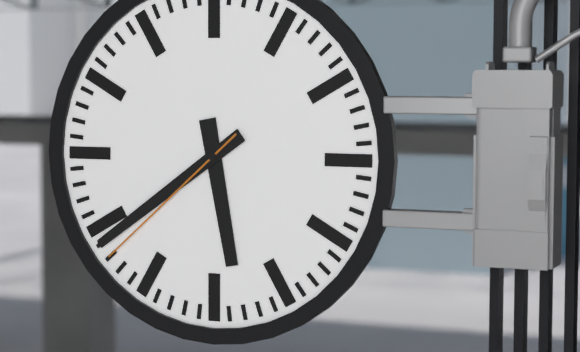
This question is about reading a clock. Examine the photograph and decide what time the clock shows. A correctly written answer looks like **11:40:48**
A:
**5:39:38**
